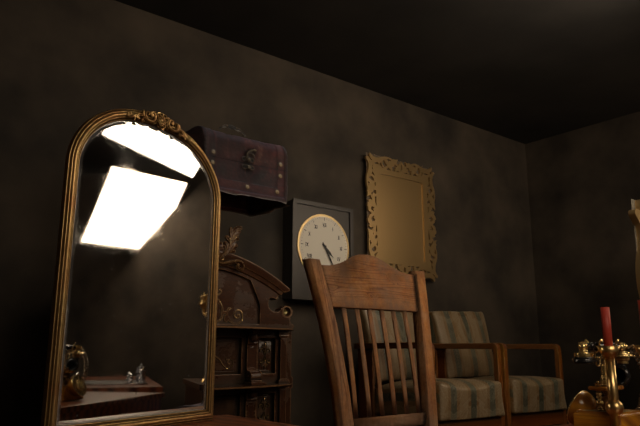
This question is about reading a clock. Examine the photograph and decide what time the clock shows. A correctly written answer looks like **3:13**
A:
**4:25**
